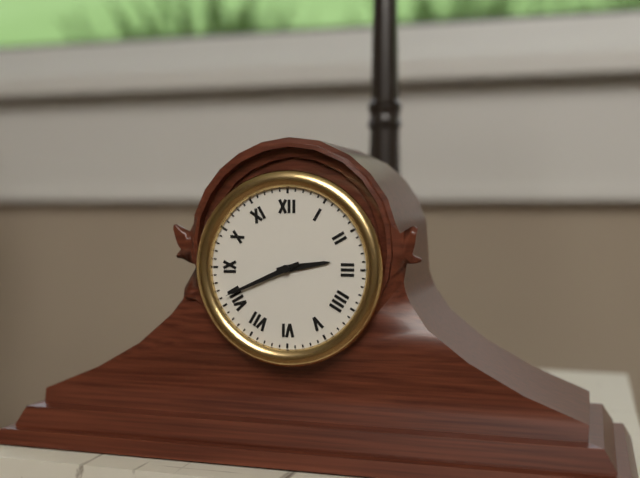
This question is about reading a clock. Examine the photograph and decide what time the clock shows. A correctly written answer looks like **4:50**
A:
**2:41**
